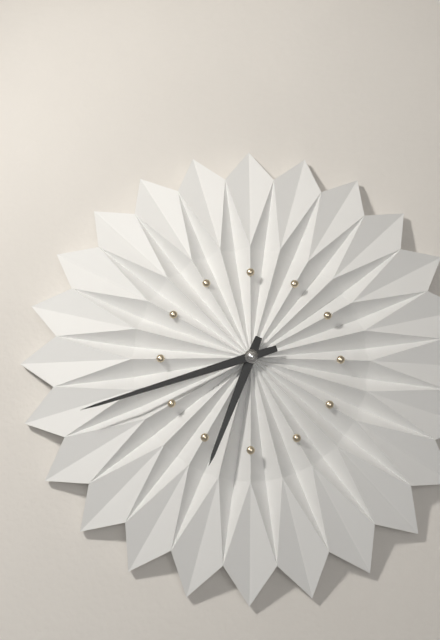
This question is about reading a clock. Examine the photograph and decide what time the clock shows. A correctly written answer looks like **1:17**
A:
**6:42**
